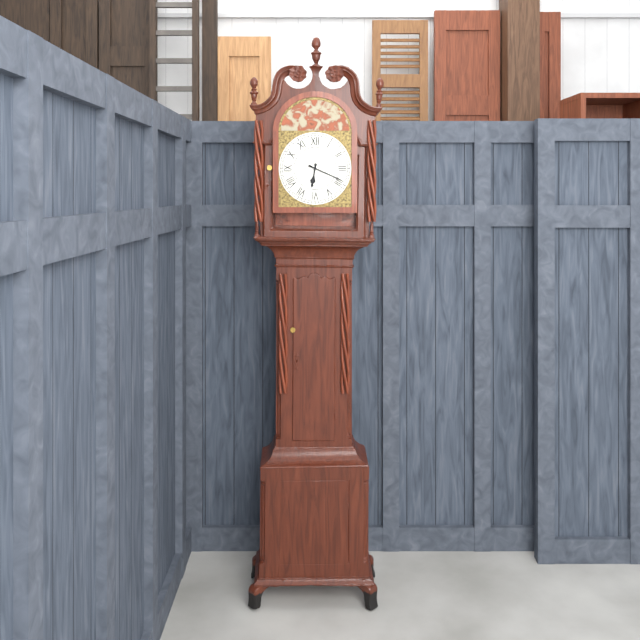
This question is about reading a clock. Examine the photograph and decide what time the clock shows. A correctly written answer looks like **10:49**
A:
**6:19**
